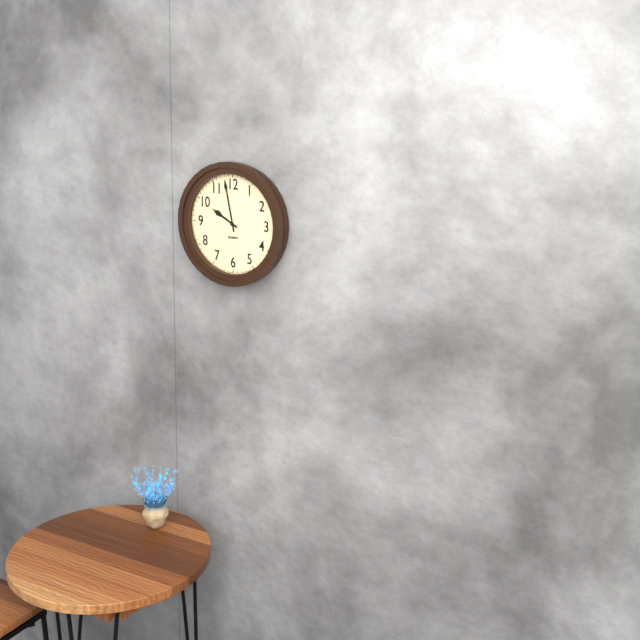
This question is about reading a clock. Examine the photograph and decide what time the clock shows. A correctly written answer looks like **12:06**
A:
**9:58**
